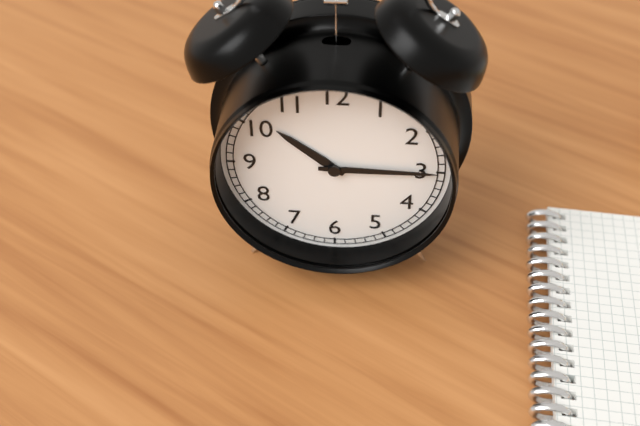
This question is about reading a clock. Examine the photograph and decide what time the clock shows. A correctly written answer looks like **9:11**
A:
**10:15**
